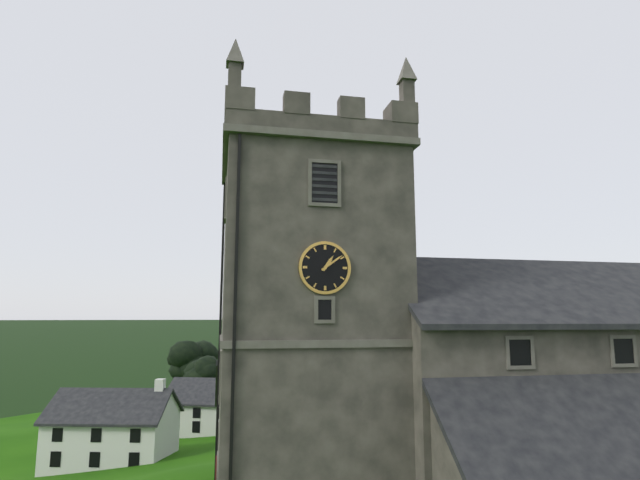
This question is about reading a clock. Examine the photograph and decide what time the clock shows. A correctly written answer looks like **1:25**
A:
**1:09**
